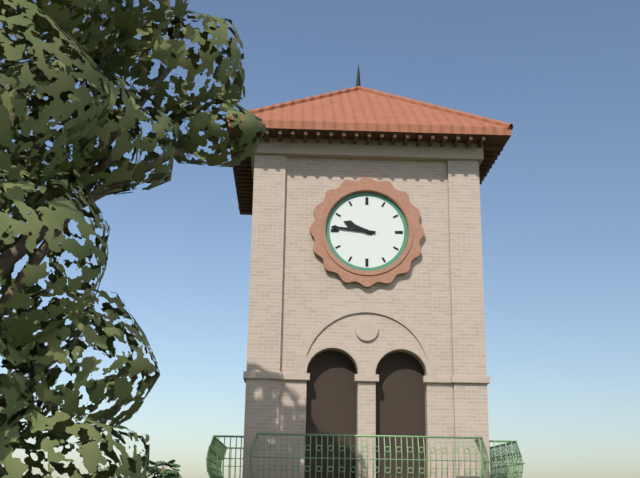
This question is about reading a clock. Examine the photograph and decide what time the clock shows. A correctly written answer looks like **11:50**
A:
**9:46**
